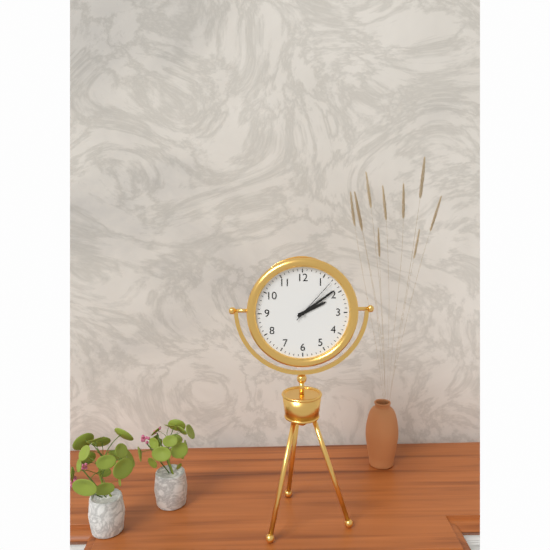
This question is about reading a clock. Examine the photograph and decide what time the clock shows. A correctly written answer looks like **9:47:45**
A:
**2:09:07**
